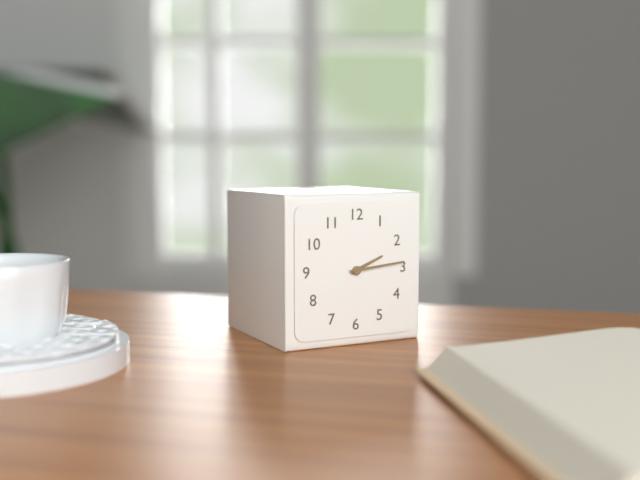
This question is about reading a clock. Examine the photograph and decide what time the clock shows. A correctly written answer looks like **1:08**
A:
**2:14**
